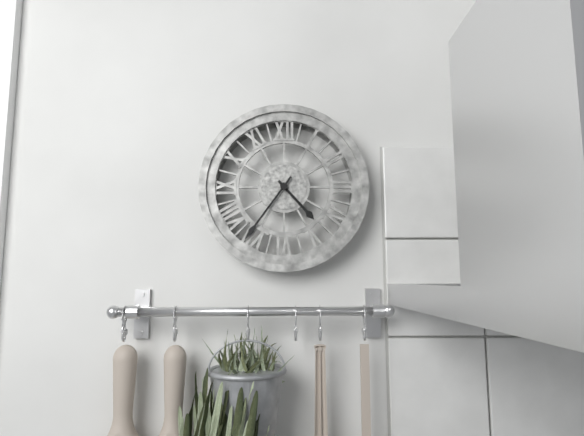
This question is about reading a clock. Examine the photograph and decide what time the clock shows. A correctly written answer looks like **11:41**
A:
**4:36**
